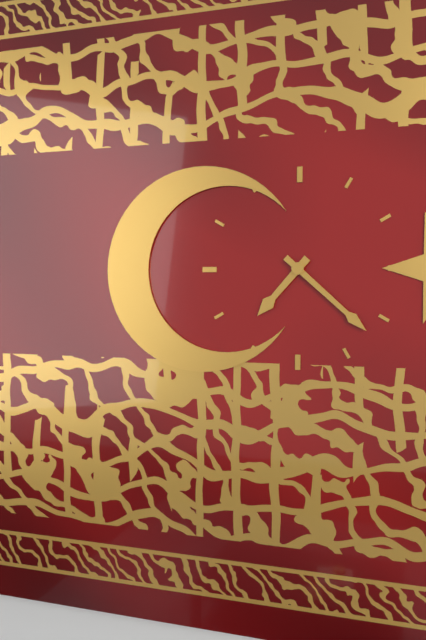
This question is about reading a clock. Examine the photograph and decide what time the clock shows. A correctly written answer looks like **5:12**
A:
**7:22**
